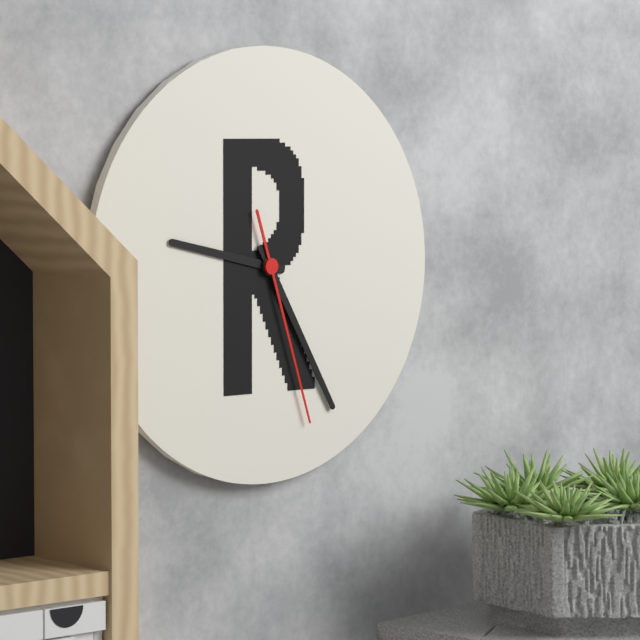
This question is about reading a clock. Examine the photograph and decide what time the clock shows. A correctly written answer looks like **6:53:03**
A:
**9:25:27**
